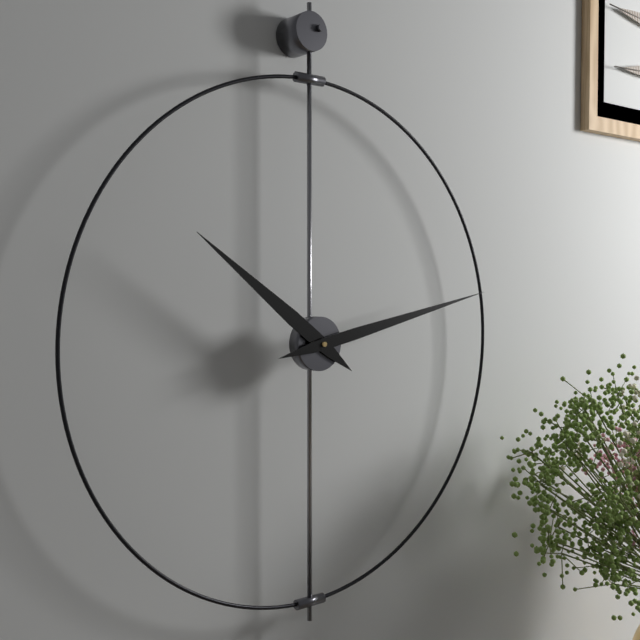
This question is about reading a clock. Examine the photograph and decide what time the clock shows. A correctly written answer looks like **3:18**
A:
**10:13**
